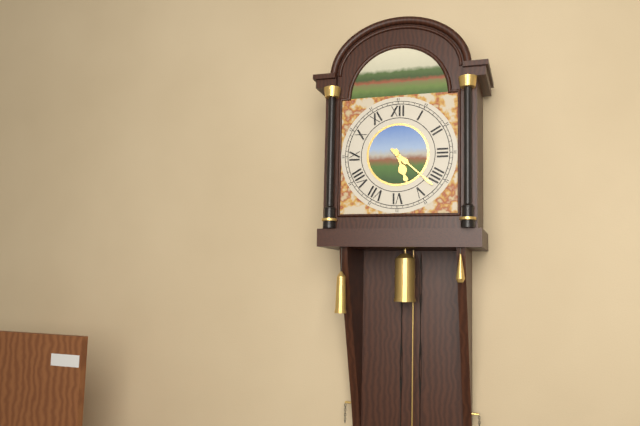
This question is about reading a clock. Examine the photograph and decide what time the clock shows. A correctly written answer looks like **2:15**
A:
**5:22**
